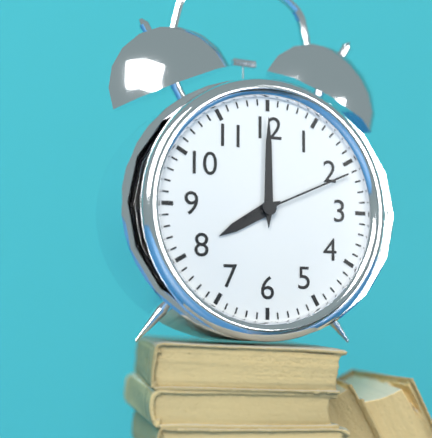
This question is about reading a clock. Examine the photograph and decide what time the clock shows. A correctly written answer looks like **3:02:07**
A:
**8:00:11**
